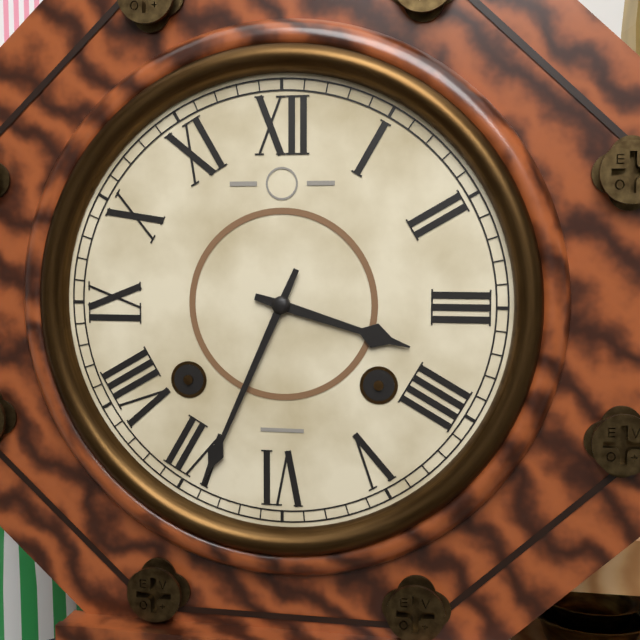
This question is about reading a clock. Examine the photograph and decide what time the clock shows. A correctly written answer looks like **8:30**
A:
**3:34**
